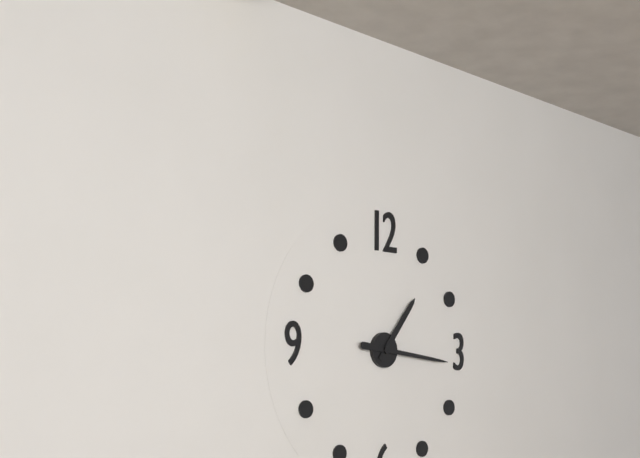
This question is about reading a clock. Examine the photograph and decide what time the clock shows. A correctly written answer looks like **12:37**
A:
**1:16**
